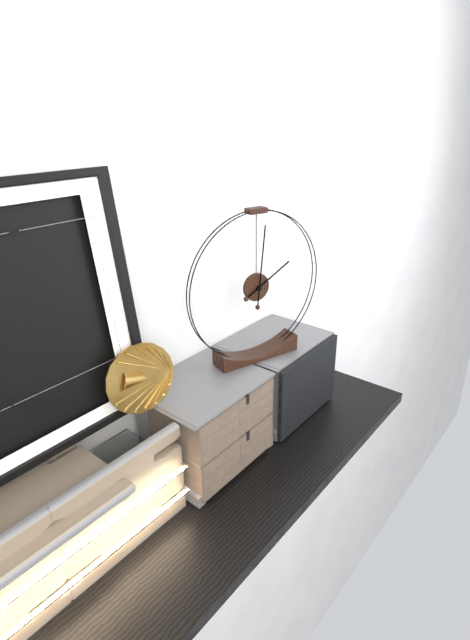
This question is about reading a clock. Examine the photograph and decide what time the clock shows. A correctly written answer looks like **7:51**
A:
**2:01**
